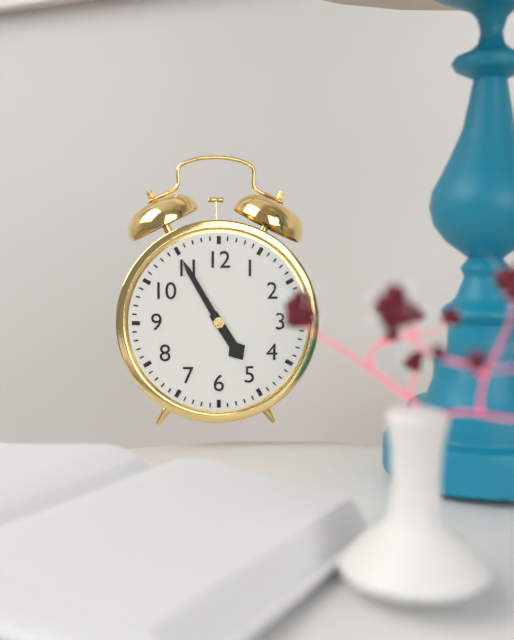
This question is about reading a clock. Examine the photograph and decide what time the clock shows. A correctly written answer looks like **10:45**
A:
**4:55**
